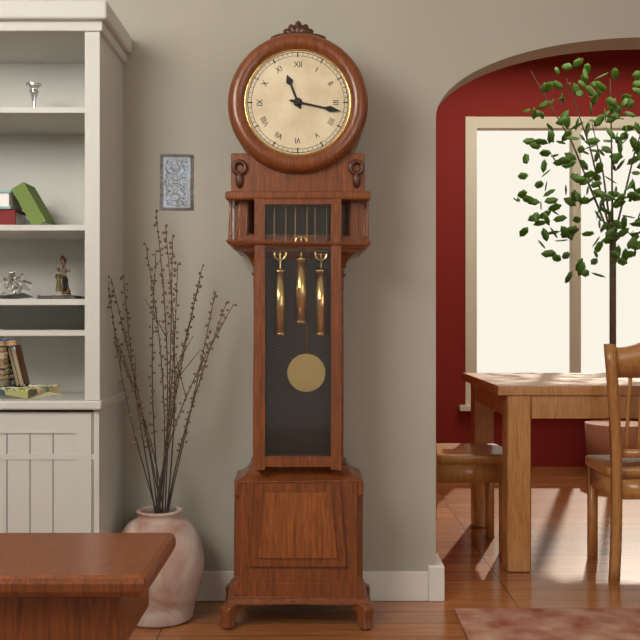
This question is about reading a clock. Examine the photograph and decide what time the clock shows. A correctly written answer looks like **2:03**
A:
**11:17**
